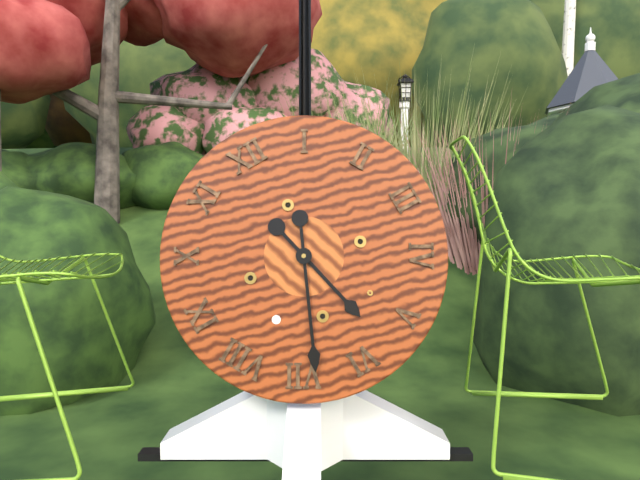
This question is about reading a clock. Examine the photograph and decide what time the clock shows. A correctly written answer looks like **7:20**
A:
**5:34**
